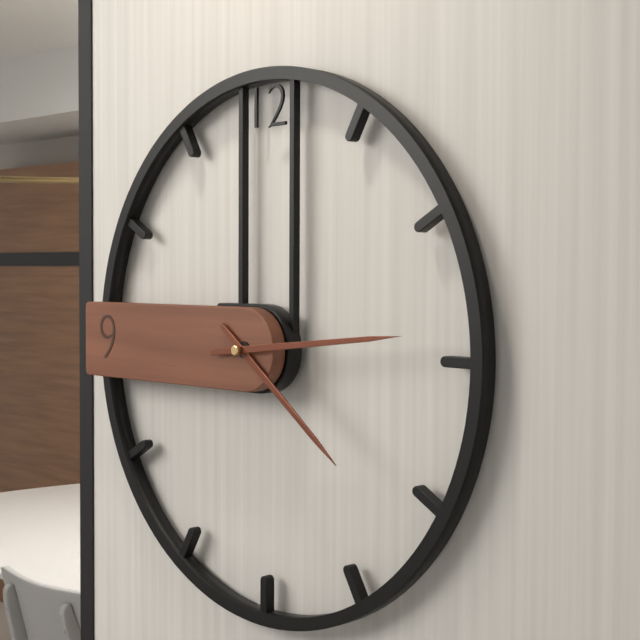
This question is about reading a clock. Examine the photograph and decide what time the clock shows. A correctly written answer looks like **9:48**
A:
**4:14**
